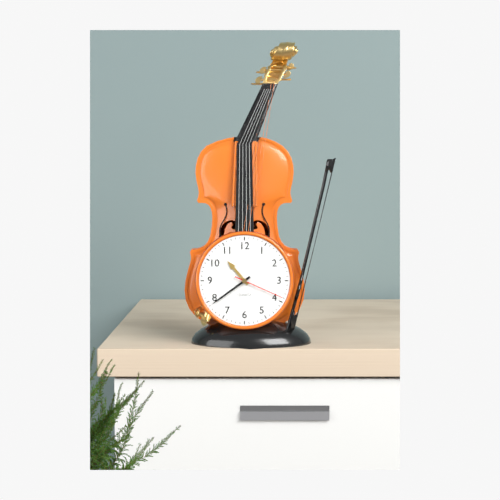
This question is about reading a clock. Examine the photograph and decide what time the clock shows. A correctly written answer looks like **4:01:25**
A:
**10:39:19**
